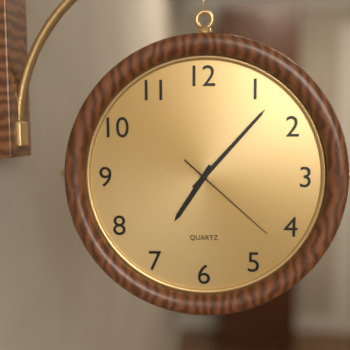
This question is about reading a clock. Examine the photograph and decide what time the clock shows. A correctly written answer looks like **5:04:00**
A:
**7:07:22**
